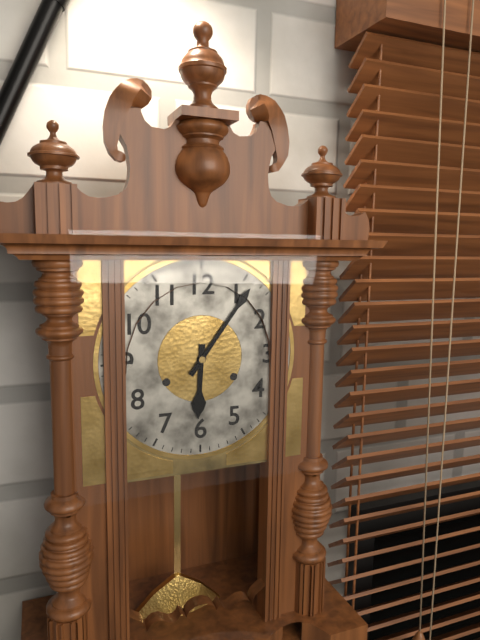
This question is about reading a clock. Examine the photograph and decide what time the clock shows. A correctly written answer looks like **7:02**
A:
**6:06**
